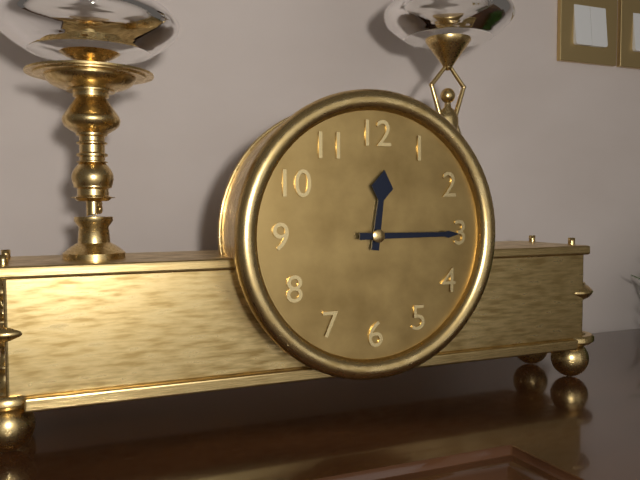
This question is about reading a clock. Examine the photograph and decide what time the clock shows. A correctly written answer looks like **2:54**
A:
**12:15**
